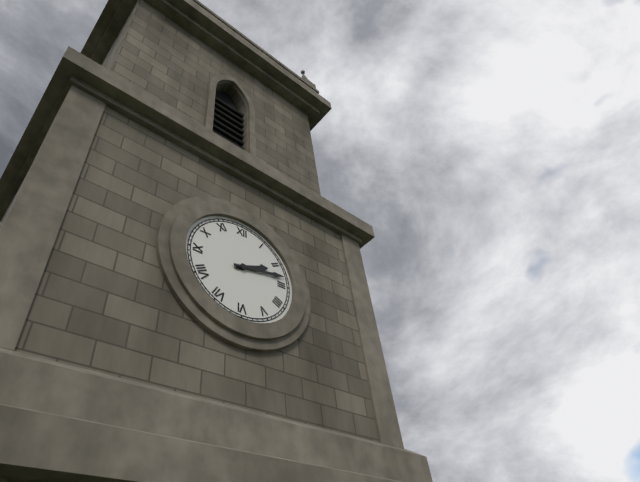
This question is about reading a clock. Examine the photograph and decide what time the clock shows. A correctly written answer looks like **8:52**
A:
**2:13**
